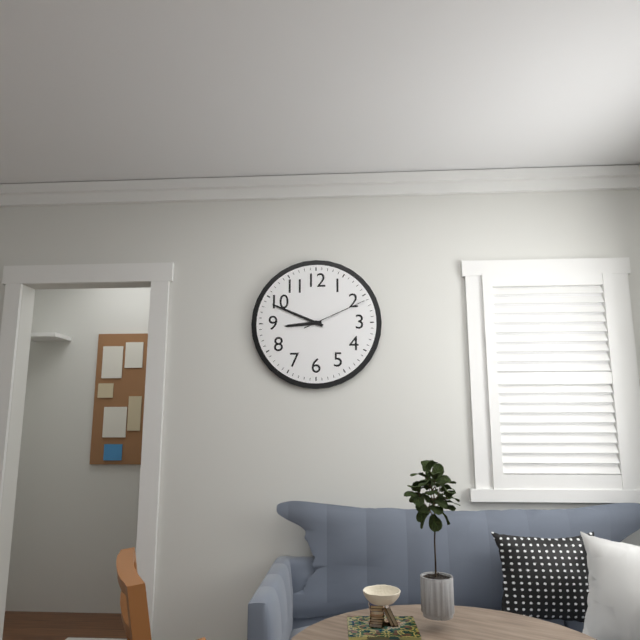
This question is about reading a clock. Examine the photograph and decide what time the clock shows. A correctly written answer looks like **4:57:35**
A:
**8:49:11**
